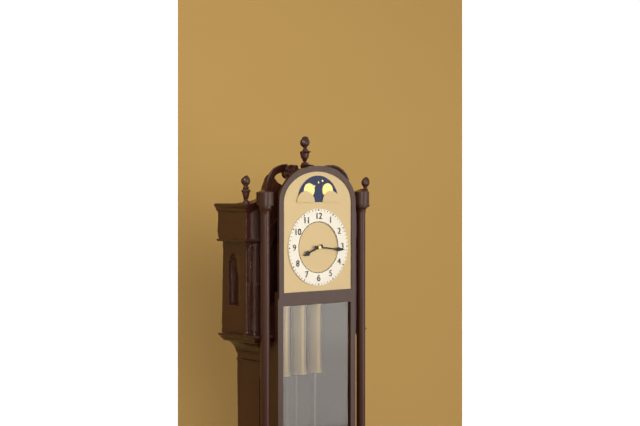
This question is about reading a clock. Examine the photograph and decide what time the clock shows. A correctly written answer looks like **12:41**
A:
**8:16**
